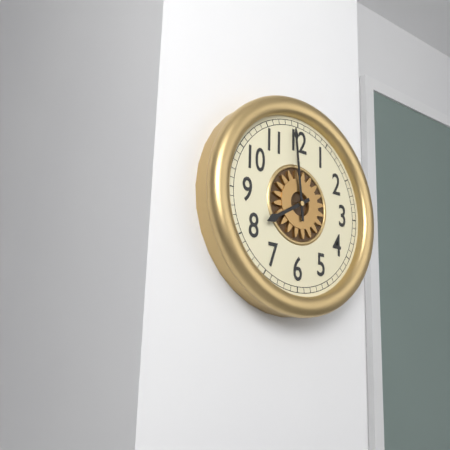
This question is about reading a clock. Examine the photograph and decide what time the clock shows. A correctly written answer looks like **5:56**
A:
**7:59**
